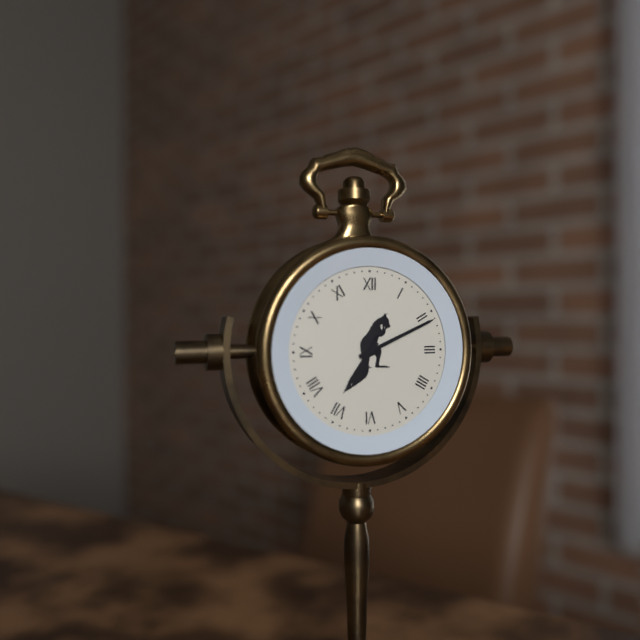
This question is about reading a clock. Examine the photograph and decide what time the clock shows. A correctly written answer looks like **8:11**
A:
**7:11**
